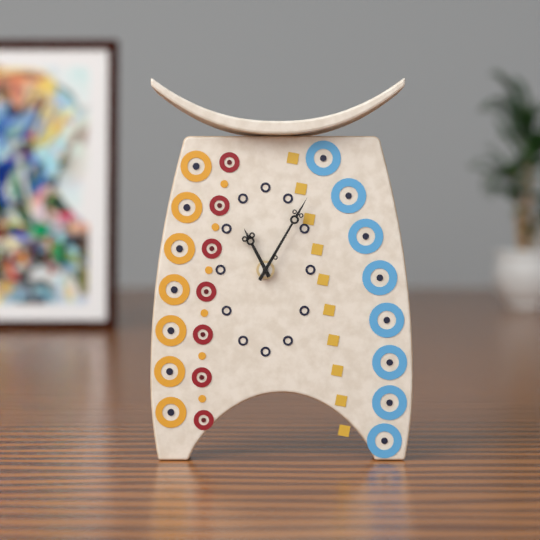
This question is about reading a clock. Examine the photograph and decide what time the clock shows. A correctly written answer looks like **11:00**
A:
**11:05**
